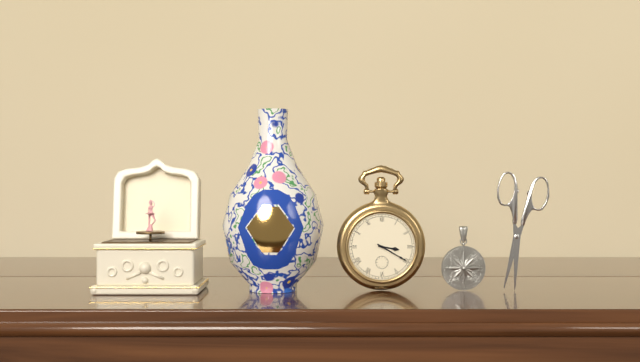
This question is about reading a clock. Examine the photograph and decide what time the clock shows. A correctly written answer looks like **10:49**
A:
**3:20**
